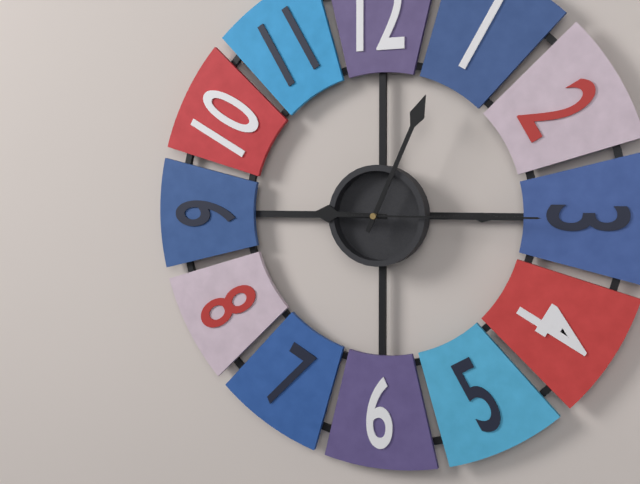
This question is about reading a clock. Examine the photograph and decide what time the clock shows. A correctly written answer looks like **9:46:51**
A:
**9:04:15**
